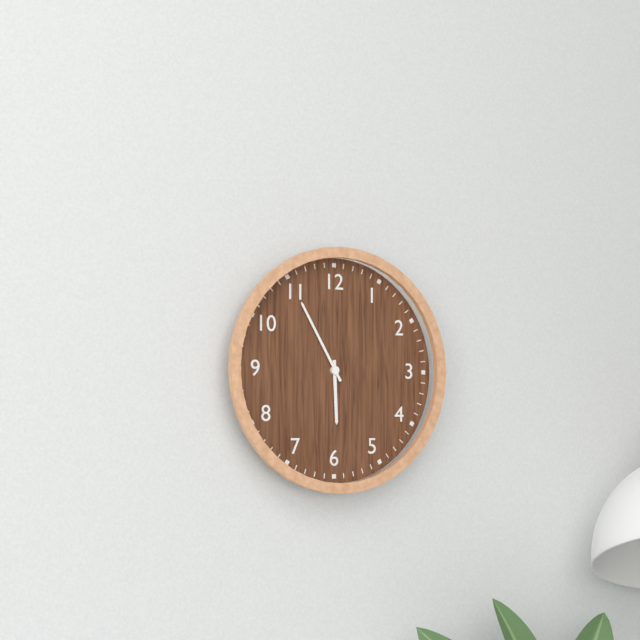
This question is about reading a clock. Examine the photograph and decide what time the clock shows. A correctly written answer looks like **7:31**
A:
**5:55**
